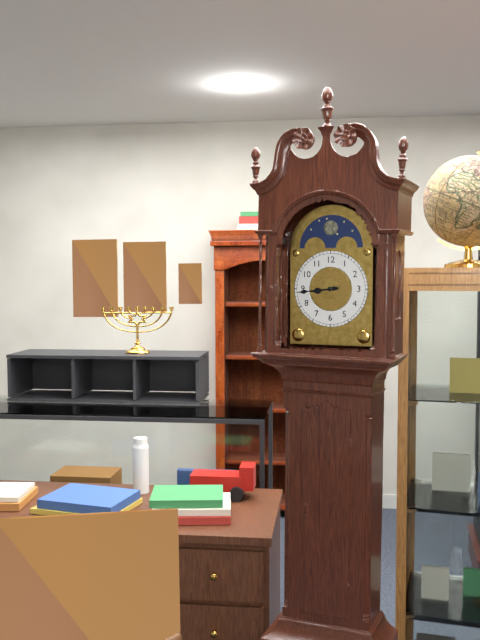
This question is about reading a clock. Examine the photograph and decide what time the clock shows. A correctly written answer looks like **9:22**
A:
**8:44**
